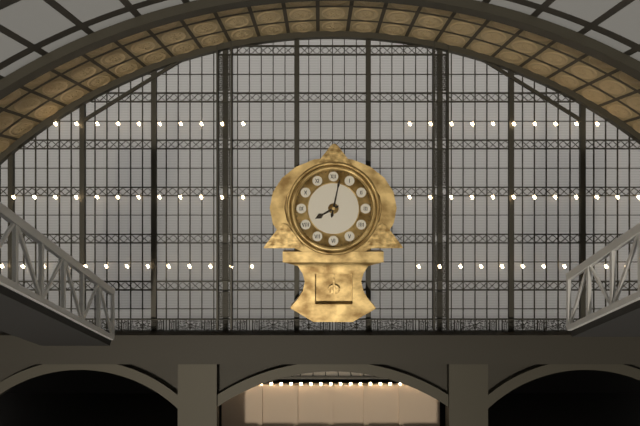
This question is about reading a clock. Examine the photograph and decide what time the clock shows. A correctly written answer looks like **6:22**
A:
**8:02**
